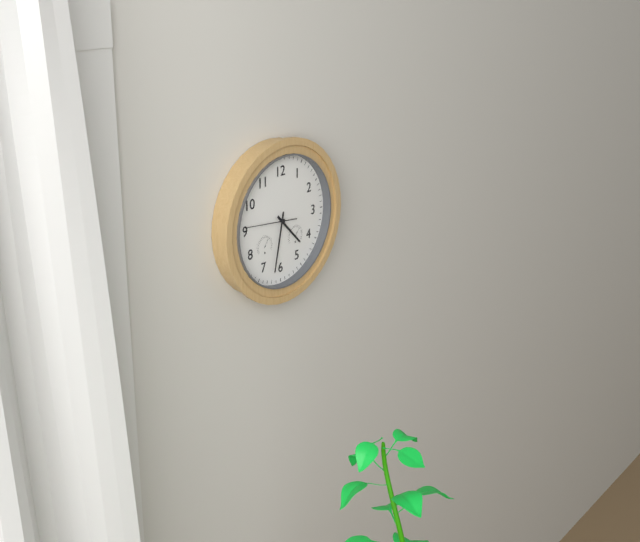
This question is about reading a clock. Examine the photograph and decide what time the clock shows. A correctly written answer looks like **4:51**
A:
**4:32**
